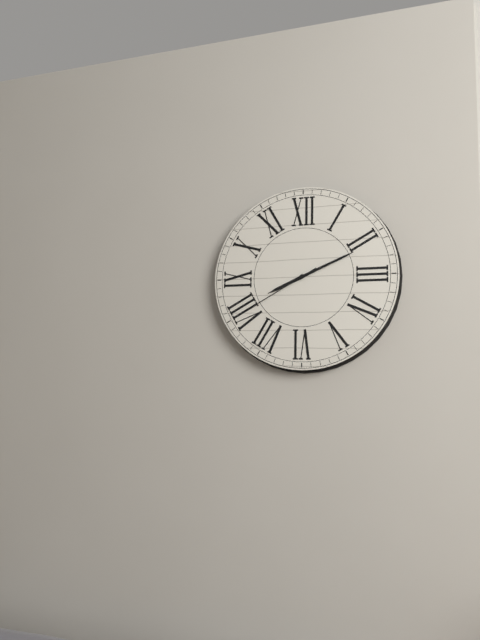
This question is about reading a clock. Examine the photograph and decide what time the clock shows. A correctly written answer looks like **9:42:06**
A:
**8:11:40**
